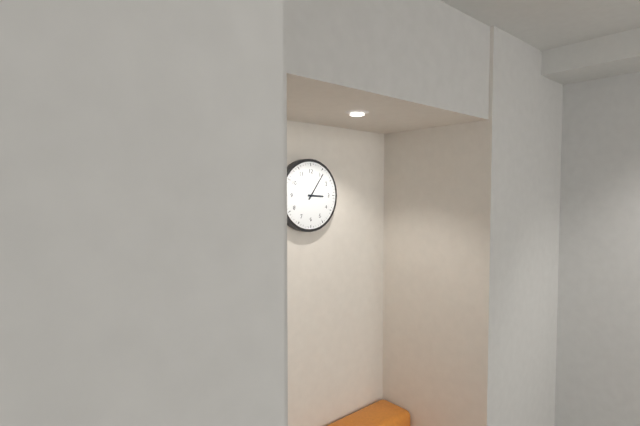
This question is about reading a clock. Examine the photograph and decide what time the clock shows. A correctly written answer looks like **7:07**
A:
**3:06**
